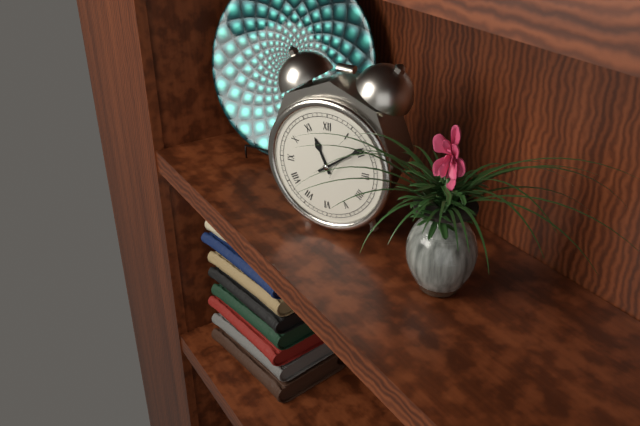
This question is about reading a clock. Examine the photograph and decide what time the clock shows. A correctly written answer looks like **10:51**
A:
**11:09**
